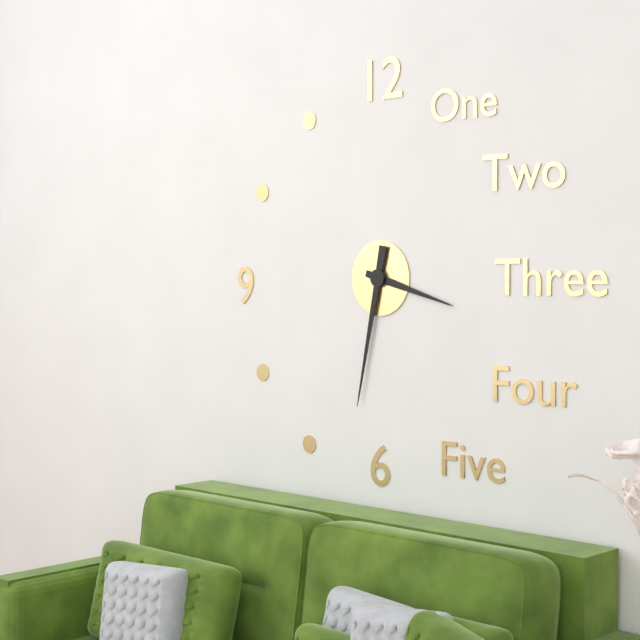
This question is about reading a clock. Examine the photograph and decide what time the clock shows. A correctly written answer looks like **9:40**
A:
**3:32**
